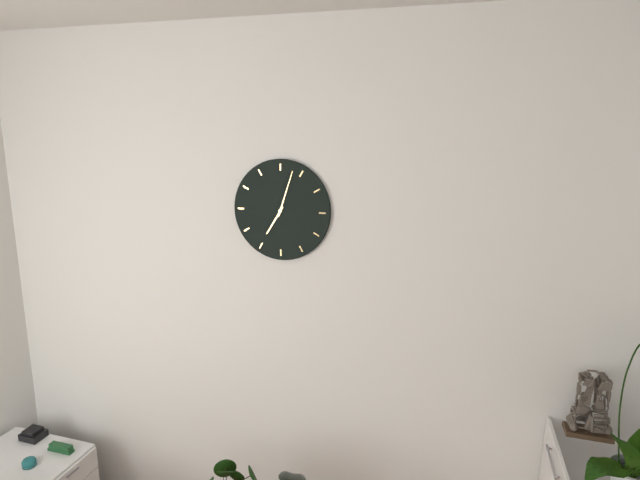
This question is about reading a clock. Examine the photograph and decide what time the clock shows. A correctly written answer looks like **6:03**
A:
**7:03**
